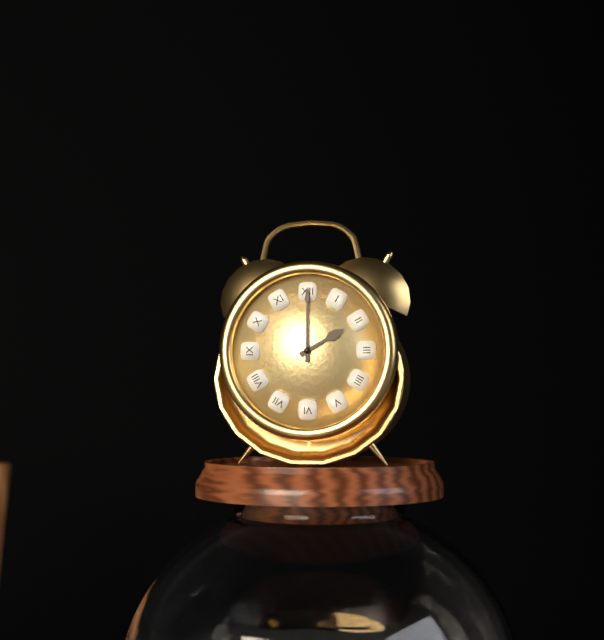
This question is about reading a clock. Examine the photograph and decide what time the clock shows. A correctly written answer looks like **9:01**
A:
**2:00**
